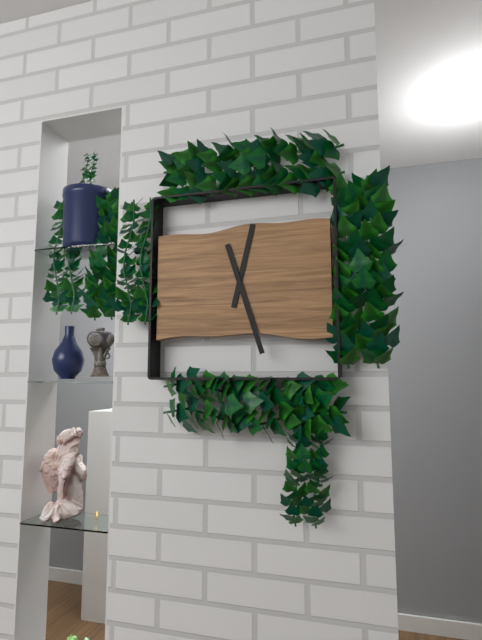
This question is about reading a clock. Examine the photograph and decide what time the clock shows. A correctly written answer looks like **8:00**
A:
**12:27**
